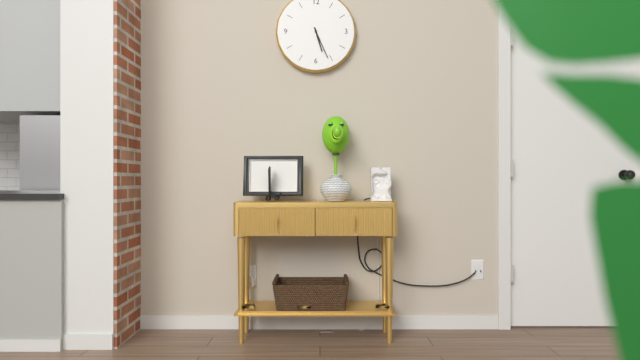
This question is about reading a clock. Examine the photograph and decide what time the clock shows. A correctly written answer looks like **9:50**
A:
**5:26**
